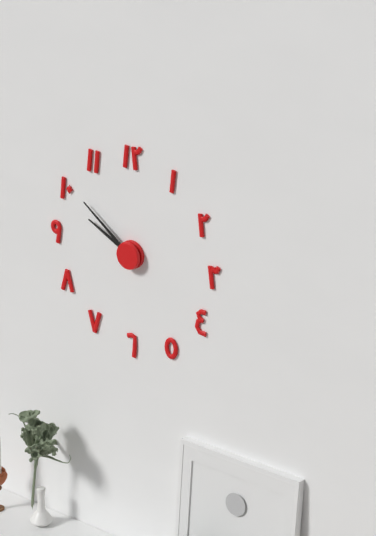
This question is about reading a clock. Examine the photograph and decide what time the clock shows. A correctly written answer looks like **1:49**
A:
**9:51**
